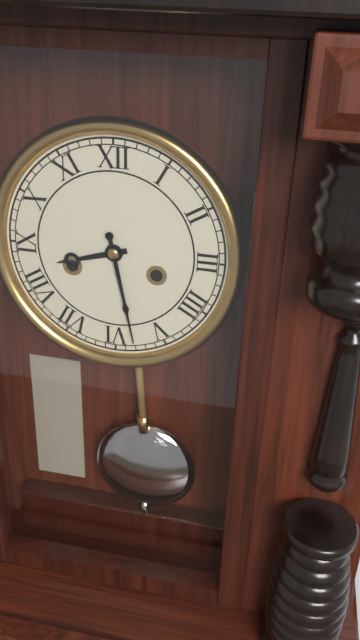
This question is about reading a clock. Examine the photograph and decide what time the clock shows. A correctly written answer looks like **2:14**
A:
**8:28**
